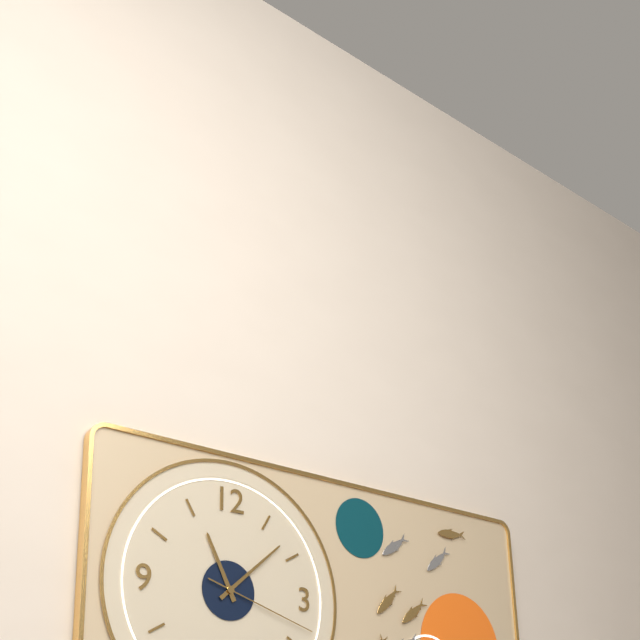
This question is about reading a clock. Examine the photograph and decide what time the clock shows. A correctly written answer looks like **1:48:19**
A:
**11:08:18**
